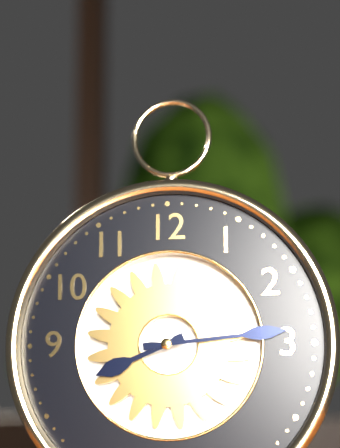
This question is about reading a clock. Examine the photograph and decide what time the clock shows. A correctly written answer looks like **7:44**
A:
**8:14**
